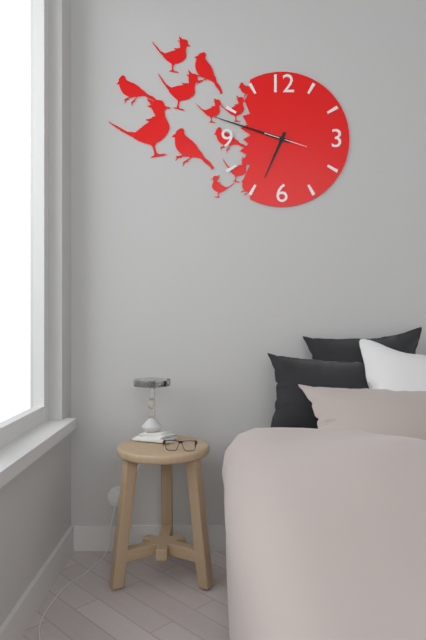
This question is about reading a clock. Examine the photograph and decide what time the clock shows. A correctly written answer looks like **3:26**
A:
**6:48**
